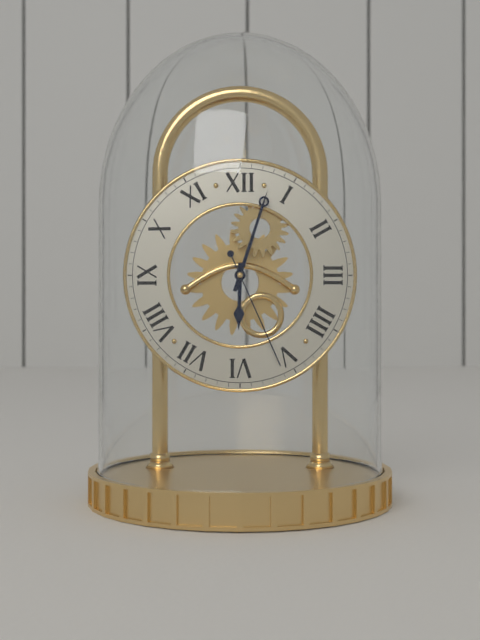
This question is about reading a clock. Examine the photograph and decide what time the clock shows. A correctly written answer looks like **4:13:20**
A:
**6:03:26**
